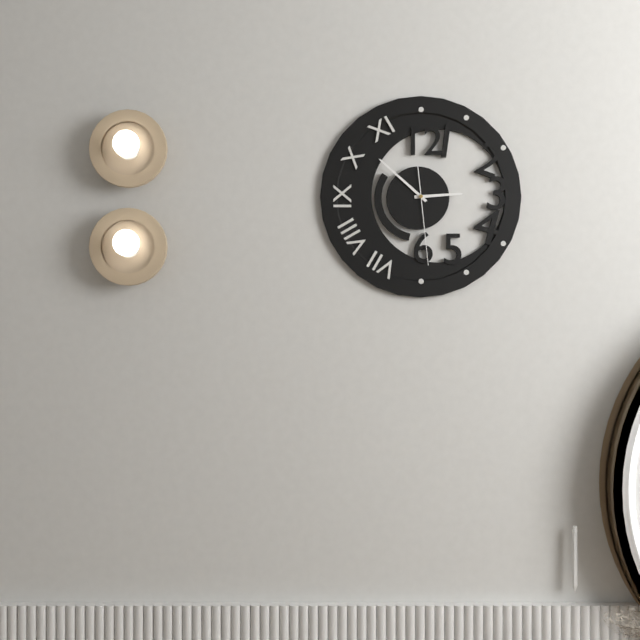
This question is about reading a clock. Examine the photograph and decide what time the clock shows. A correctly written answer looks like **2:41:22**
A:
**2:52:29**
